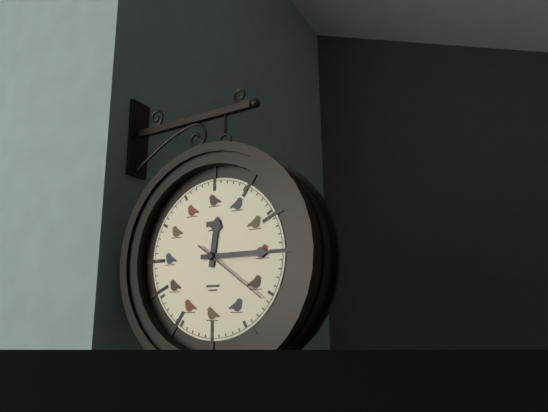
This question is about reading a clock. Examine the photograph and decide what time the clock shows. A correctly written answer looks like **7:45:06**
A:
**12:15:21**
